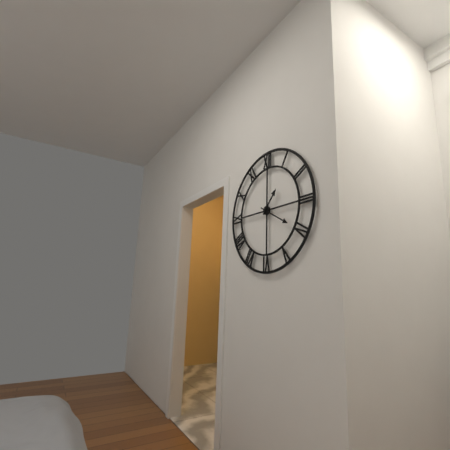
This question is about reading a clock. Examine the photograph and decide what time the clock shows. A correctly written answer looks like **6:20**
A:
**1:20**
